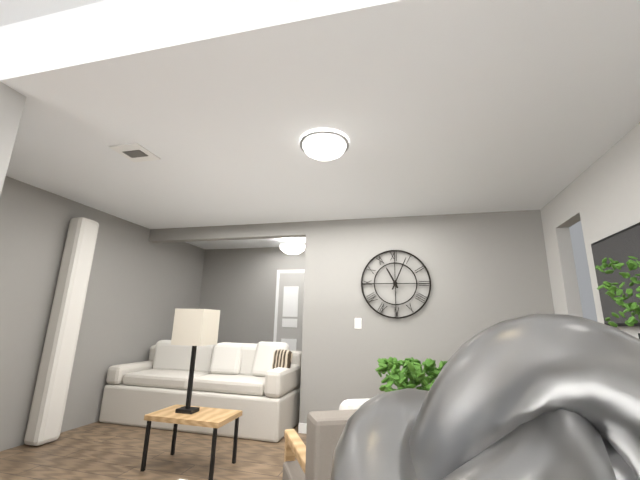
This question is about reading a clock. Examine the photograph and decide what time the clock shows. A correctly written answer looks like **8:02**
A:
**11:04**
